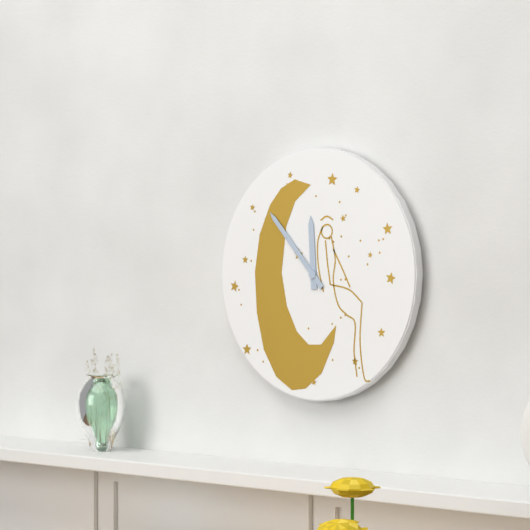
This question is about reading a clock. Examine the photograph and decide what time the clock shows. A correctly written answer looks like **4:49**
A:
**11:53**
